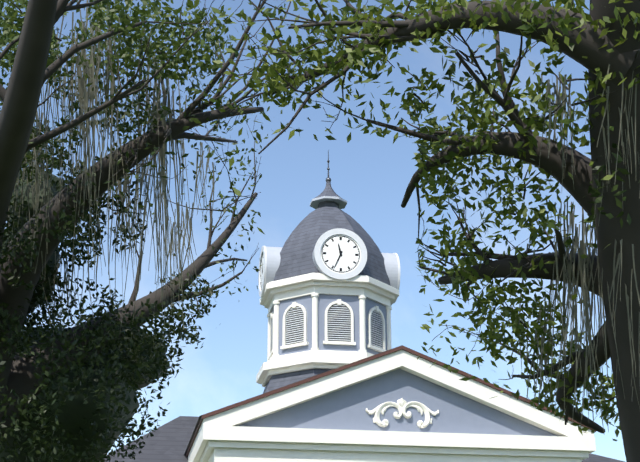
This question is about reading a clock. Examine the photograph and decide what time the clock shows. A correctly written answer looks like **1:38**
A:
**11:34**
